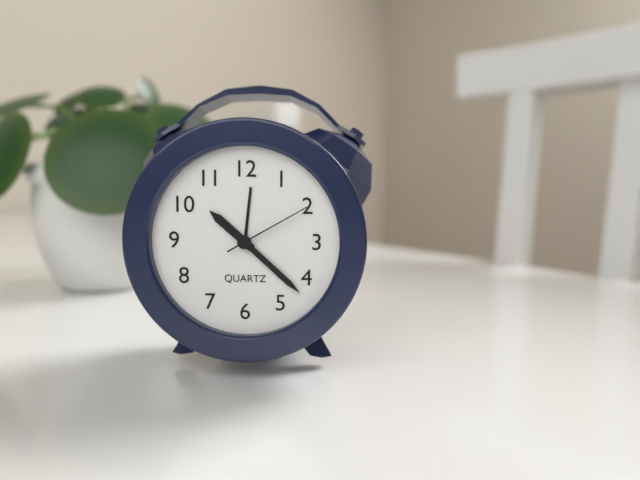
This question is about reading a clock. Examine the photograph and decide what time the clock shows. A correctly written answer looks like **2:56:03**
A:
**10:22:10**
